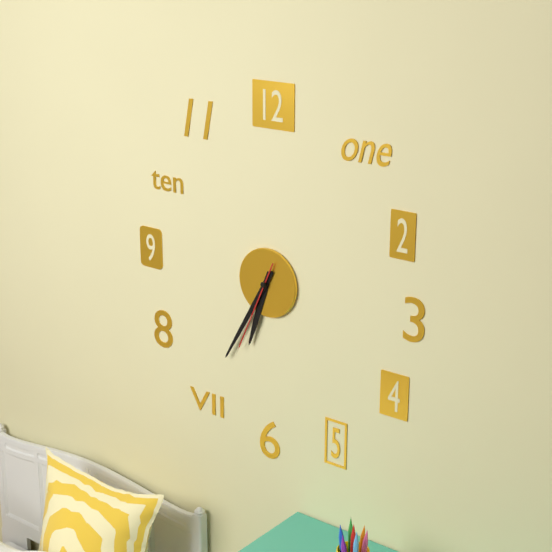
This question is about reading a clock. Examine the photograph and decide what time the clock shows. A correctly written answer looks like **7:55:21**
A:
**6:35:34**
